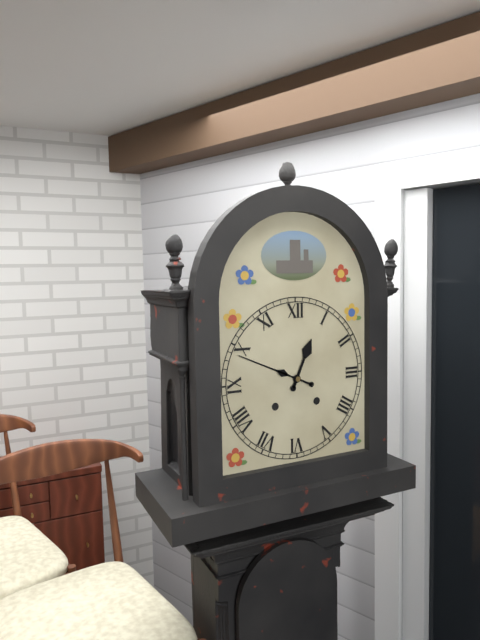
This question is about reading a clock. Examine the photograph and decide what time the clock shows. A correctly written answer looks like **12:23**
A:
**12:49**
